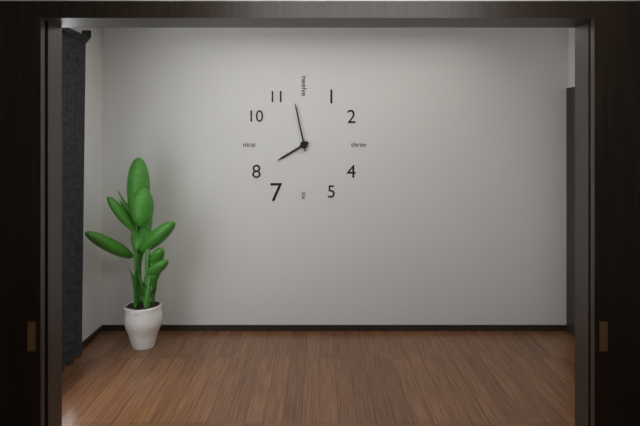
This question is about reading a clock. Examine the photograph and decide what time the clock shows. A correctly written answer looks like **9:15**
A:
**7:58**
